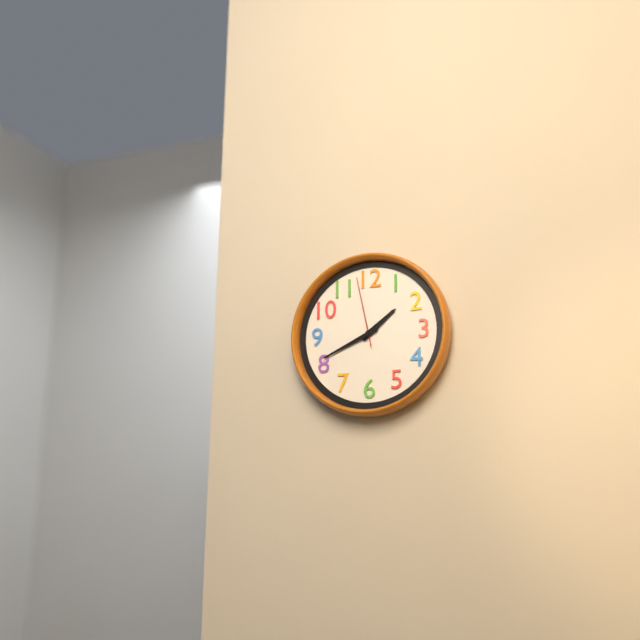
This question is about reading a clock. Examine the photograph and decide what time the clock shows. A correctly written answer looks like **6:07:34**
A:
**1:41:58**
